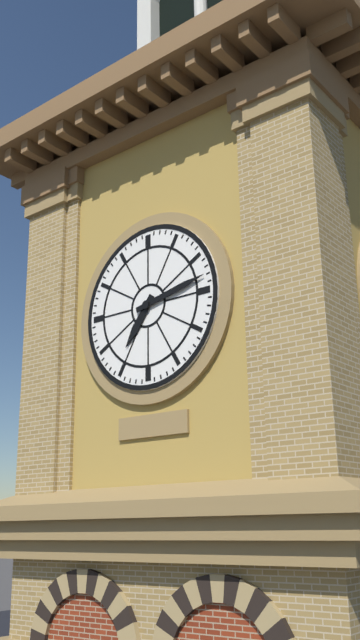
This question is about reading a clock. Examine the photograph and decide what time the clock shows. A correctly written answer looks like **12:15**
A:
**7:13**
